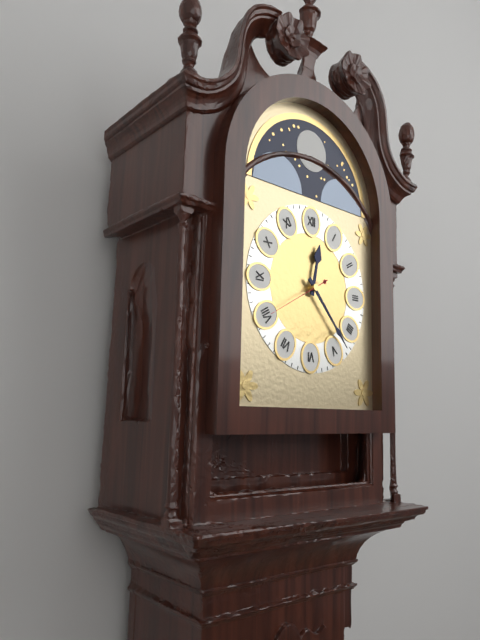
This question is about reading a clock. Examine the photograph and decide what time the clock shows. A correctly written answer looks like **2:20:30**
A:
**12:23:40**
